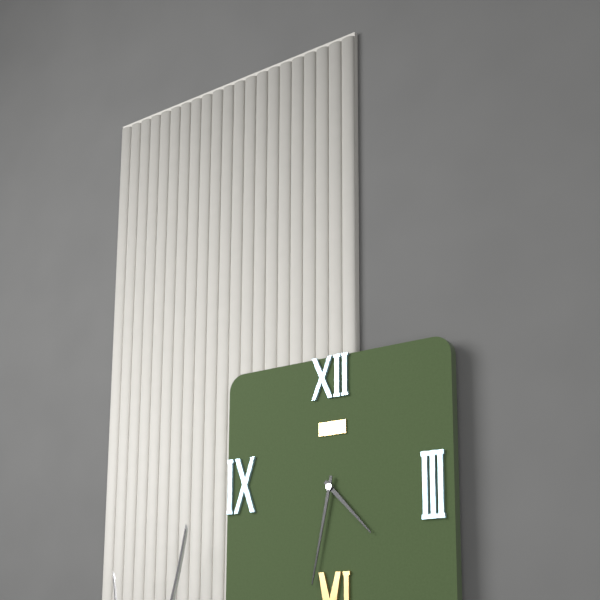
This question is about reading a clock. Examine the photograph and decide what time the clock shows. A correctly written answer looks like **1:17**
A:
**4:32**
